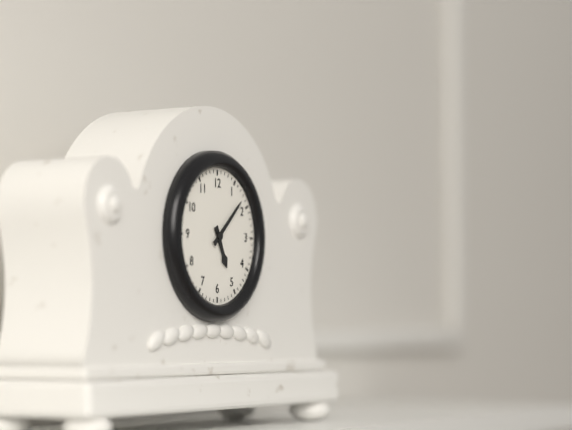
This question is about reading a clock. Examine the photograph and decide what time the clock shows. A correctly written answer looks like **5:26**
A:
**5:08**
